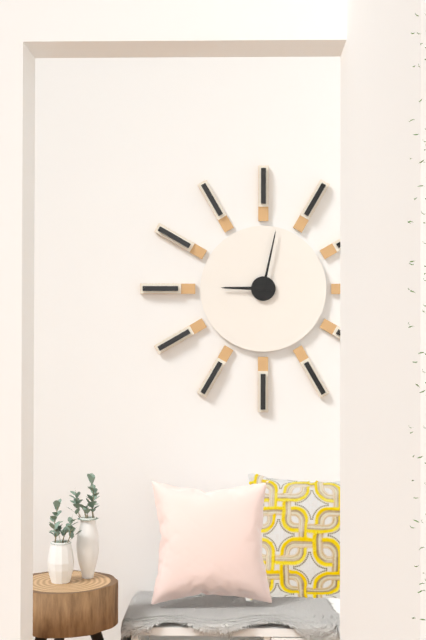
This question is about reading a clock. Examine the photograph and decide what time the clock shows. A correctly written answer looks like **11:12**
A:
**9:02**
